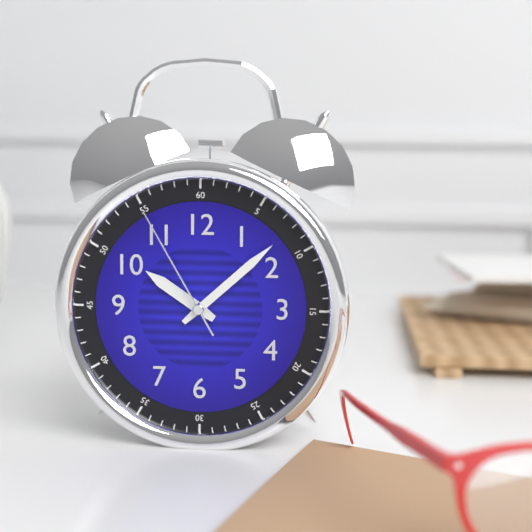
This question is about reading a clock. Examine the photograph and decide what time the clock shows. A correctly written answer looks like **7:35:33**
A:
**10:08:55**
